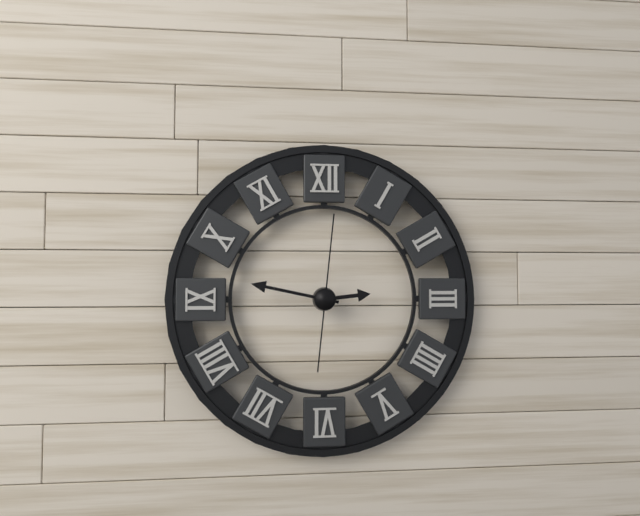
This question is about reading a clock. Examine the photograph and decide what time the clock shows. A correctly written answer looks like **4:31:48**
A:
**2:47:01**
